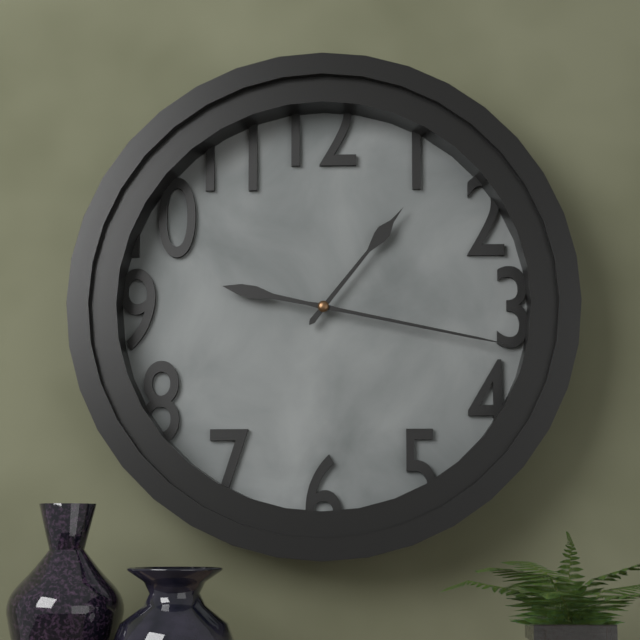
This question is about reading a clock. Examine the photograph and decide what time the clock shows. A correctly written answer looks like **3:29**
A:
**1:17**
